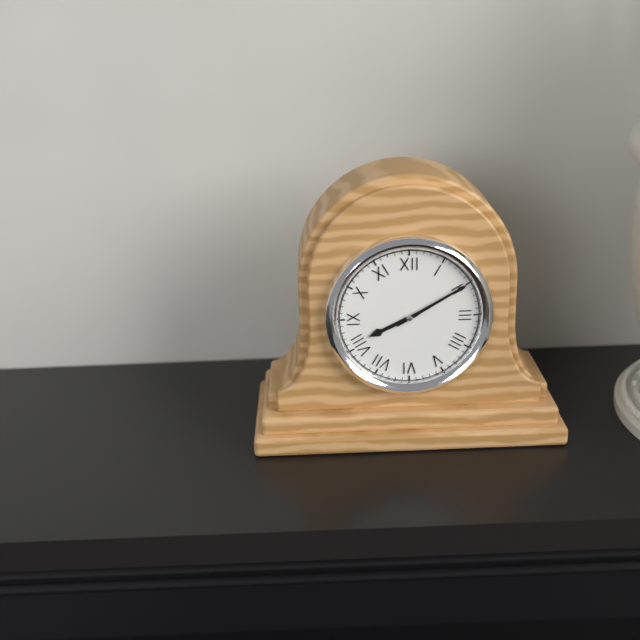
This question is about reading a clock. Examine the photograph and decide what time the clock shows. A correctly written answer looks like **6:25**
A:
**8:10**
